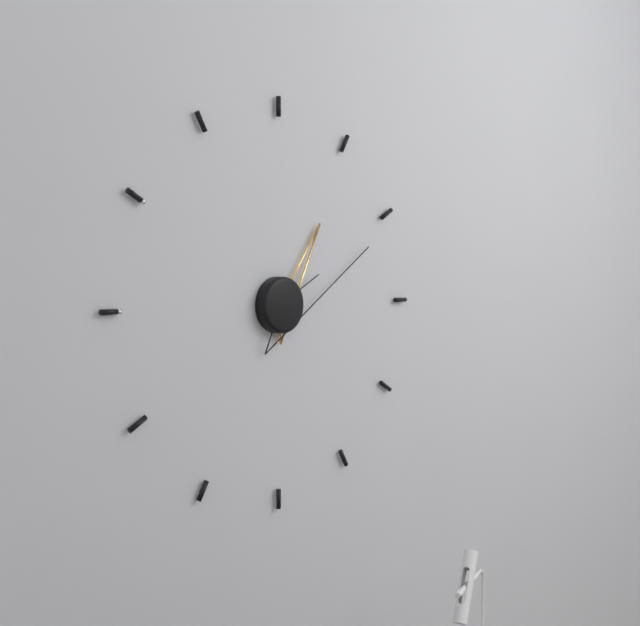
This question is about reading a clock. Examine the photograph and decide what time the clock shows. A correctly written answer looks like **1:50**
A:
**1:11**
